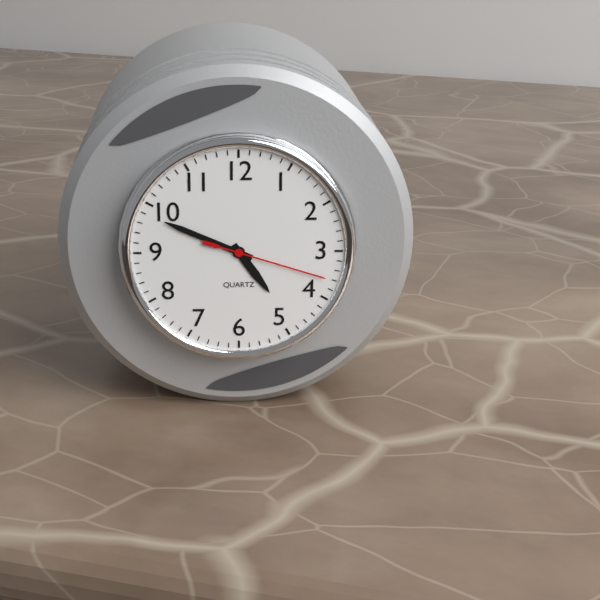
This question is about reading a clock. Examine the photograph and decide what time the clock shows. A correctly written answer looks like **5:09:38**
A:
**4:49:18**
